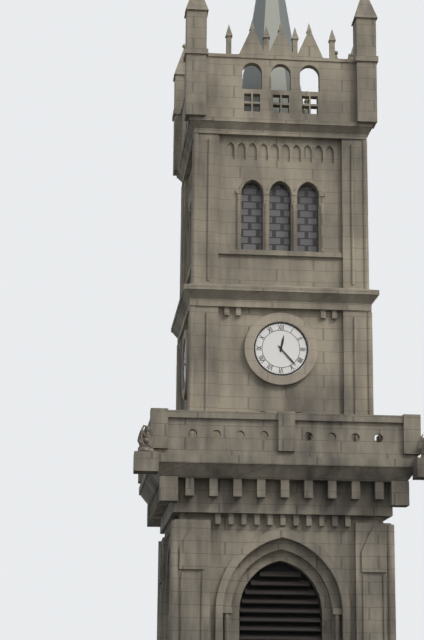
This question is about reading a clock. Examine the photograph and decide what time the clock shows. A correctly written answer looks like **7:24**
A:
**12:23**
